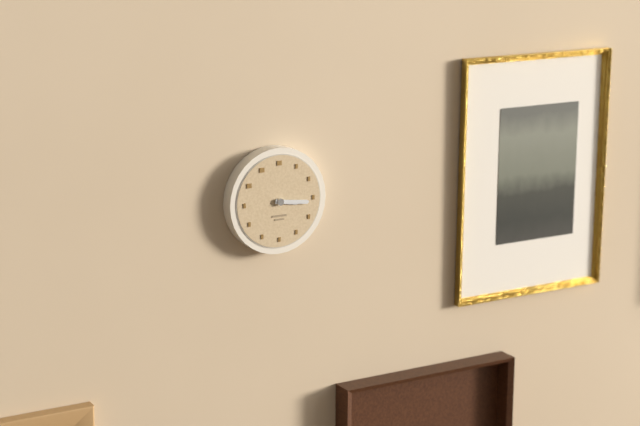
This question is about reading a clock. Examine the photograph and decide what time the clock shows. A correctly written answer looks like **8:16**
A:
**3:16**
